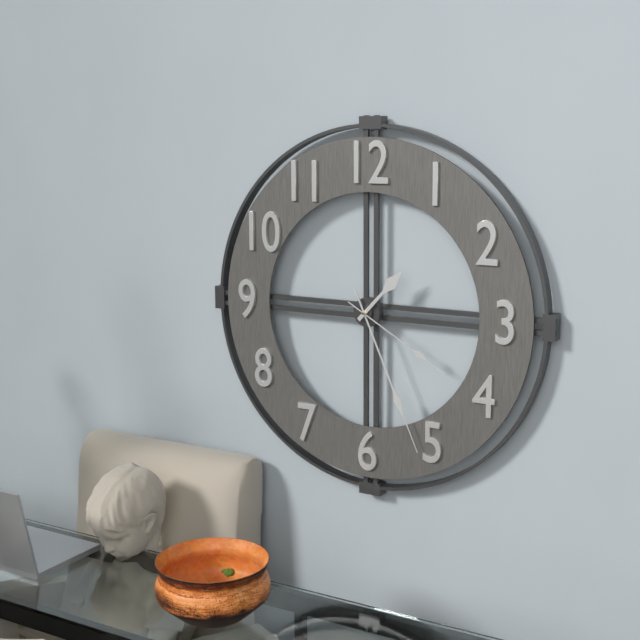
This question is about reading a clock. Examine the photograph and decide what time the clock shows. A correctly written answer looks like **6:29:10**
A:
**1:26:20**
